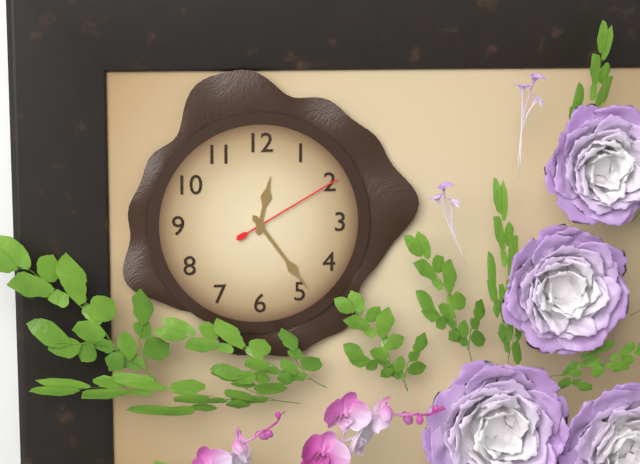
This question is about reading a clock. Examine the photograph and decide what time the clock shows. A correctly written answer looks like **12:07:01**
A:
**12:24:10**
